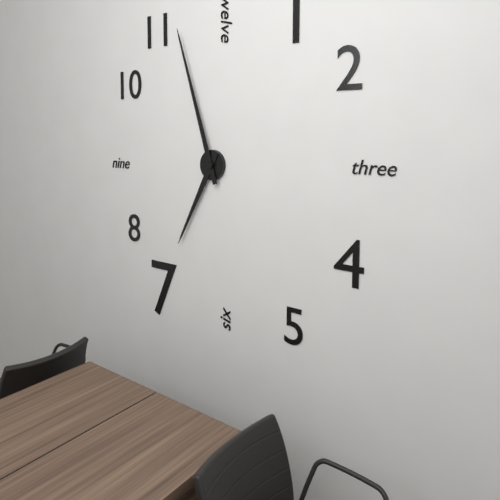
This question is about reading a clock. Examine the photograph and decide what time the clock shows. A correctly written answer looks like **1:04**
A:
**6:57**
